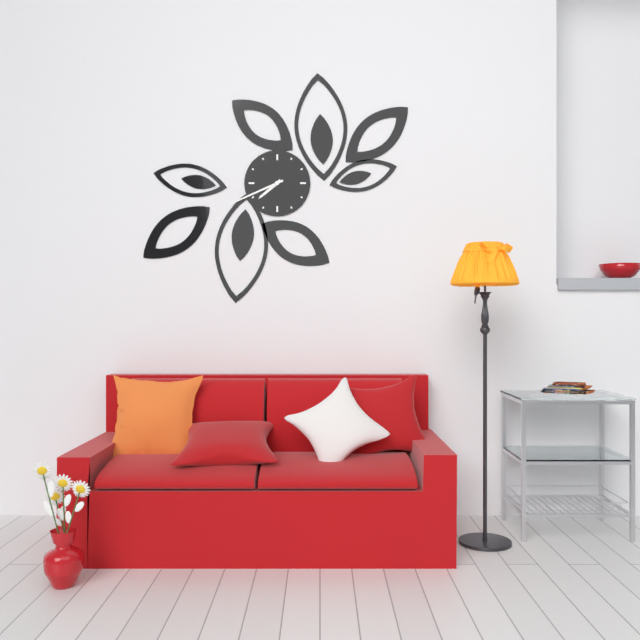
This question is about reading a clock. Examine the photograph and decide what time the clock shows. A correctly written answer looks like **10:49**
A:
**7:41**
